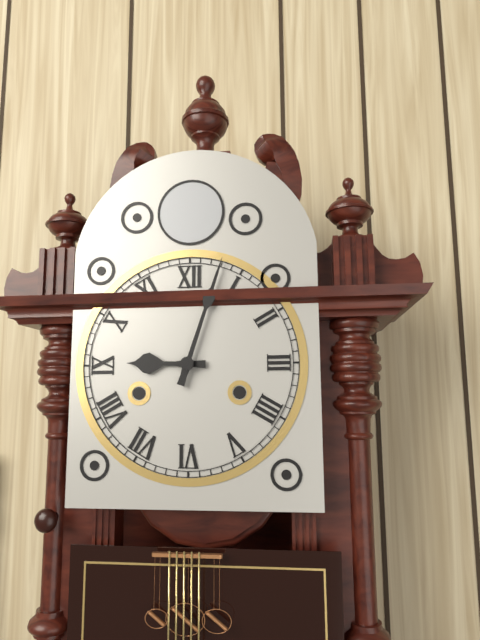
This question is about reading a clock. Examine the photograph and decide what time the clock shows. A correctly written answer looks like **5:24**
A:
**9:03**
